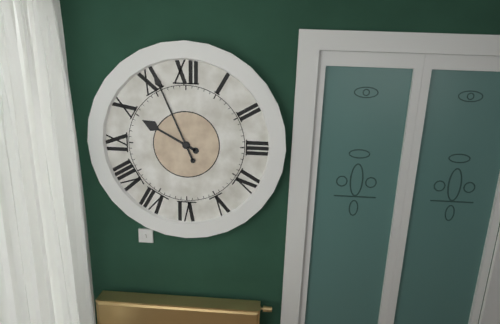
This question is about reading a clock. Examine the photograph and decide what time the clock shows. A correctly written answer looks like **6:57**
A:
**9:56**
